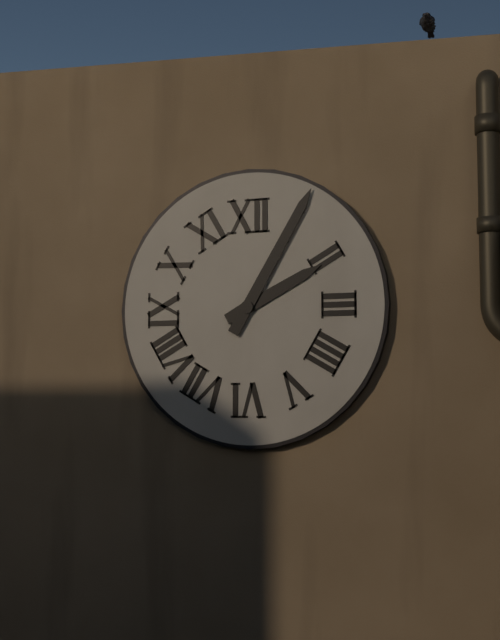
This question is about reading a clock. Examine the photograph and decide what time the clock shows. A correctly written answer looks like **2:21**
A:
**2:05**
